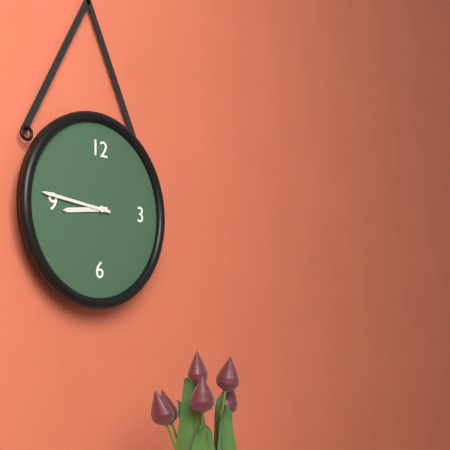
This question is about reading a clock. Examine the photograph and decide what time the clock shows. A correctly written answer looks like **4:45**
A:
**8:46**
